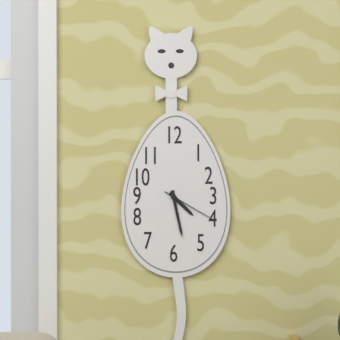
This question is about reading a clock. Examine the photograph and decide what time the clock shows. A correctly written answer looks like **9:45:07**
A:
**4:28:20**
